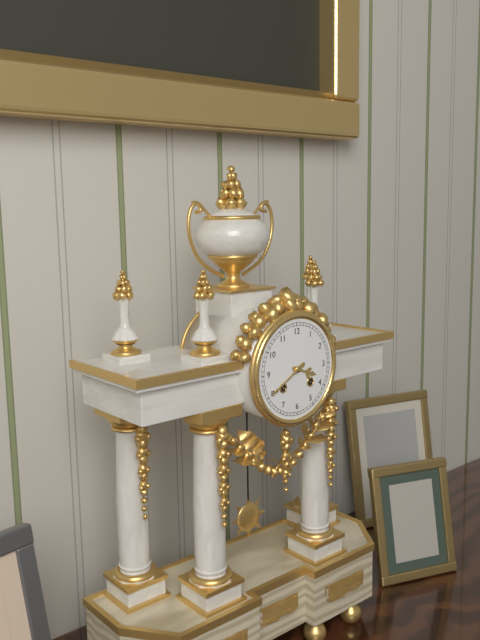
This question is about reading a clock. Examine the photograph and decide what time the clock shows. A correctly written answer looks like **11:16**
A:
**3:40**
